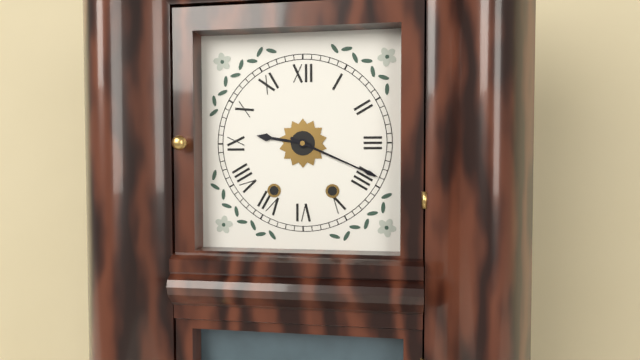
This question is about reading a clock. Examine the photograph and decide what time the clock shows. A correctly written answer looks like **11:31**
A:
**9:19**
